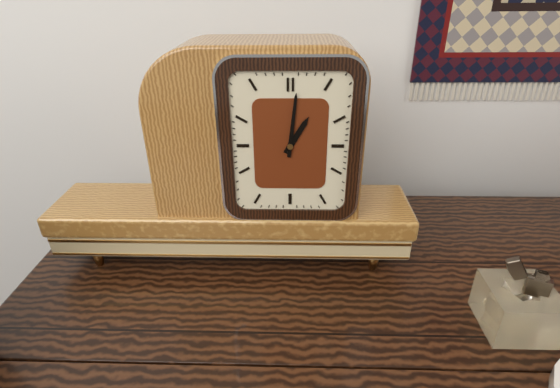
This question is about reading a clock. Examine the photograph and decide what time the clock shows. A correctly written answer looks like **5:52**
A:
**1:01**
